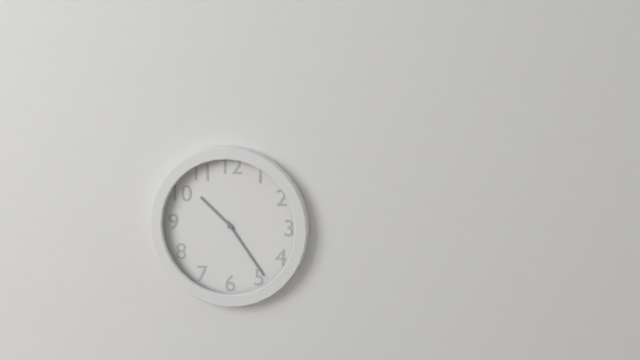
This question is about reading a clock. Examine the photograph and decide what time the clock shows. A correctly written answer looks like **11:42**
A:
**10:24**
